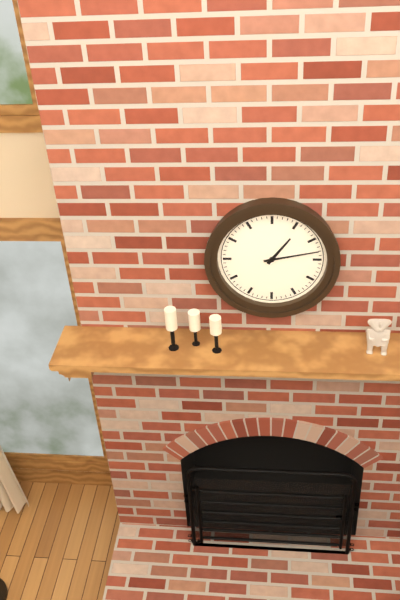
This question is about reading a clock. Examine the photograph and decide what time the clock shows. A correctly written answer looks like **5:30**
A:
**1:13**
